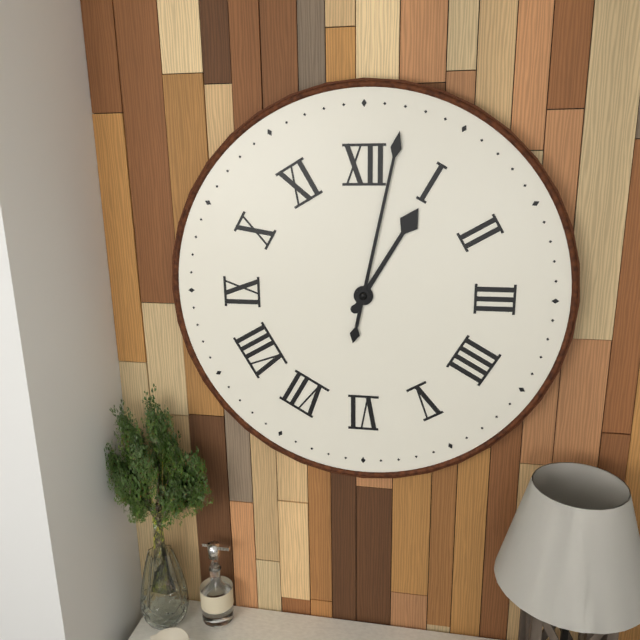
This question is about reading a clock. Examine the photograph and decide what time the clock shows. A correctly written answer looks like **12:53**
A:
**1:02**
